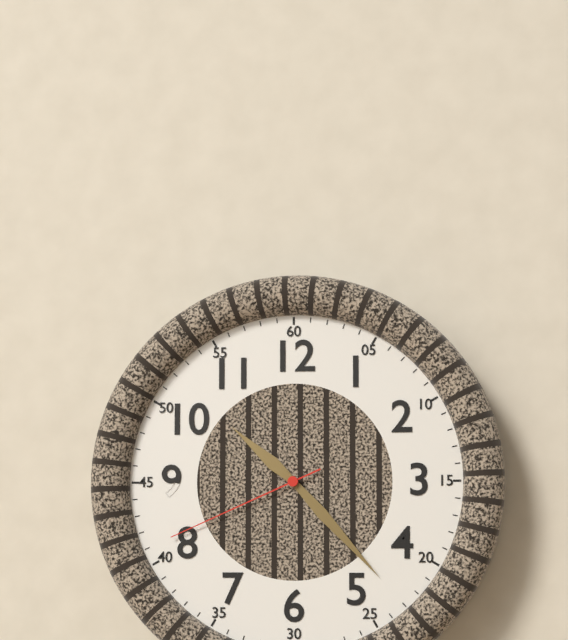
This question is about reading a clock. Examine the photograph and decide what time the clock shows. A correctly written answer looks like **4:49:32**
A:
**10:23:41**
